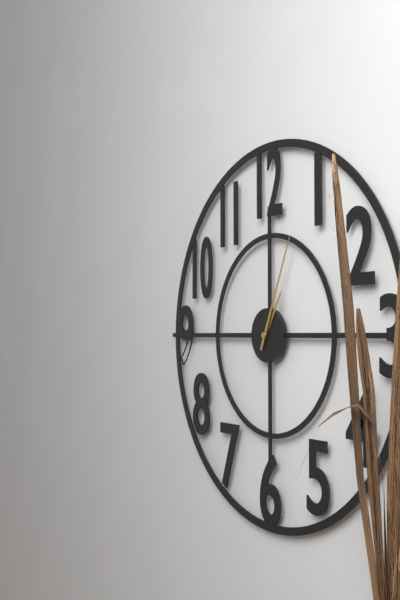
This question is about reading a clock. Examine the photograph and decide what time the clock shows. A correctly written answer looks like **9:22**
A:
**1:04**
